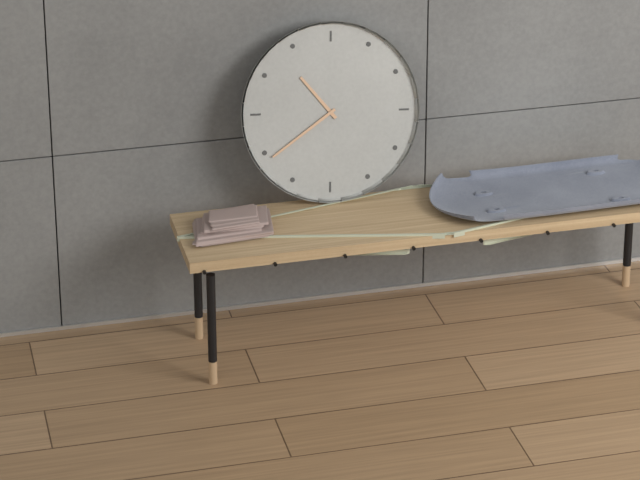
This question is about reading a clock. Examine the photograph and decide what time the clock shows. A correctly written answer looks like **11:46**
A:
**10:39**
